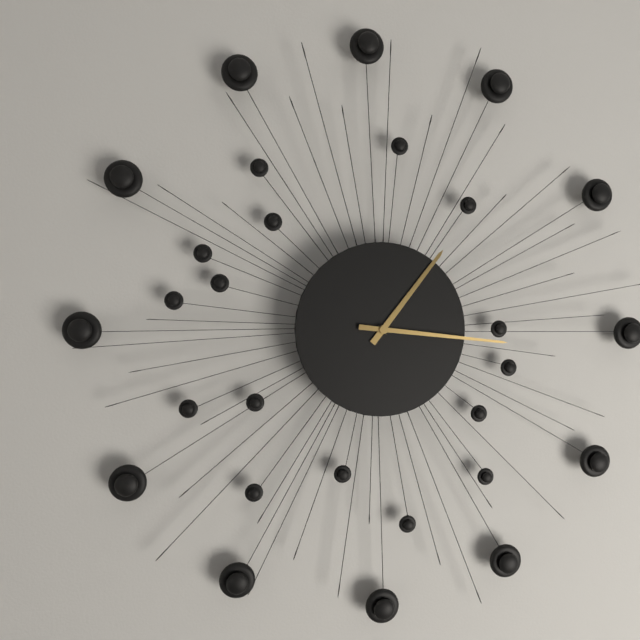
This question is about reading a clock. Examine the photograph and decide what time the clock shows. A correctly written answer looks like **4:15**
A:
**1:16**
